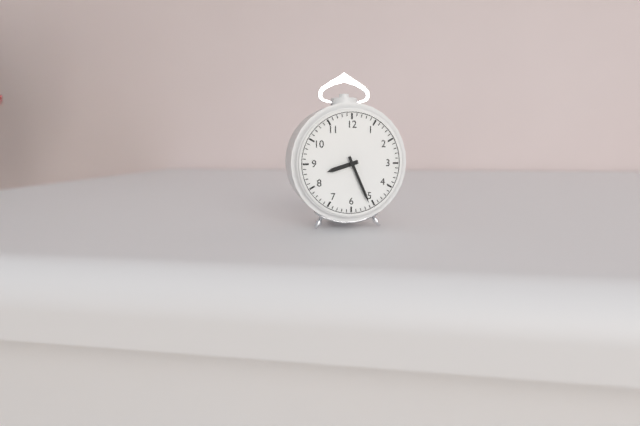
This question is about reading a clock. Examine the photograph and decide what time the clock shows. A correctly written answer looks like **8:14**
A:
**8:26**
